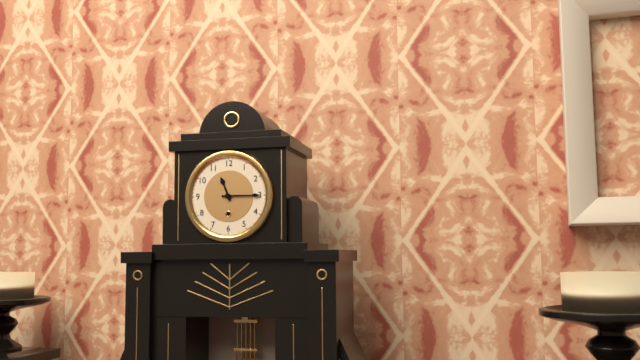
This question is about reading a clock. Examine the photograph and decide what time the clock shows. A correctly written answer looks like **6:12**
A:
**11:15**
